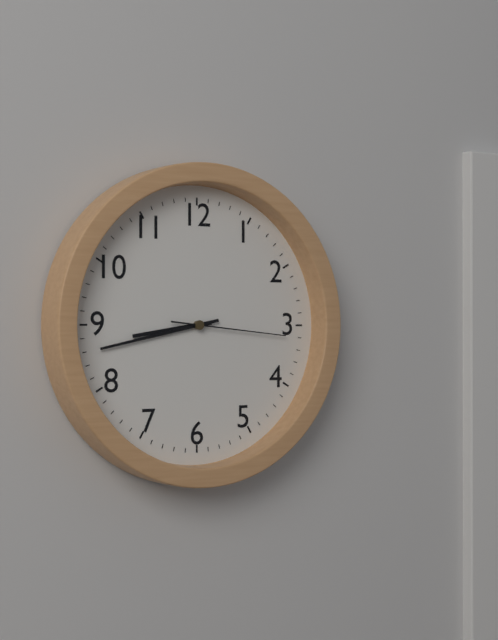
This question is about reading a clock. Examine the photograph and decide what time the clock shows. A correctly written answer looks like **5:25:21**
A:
**8:43:16**
